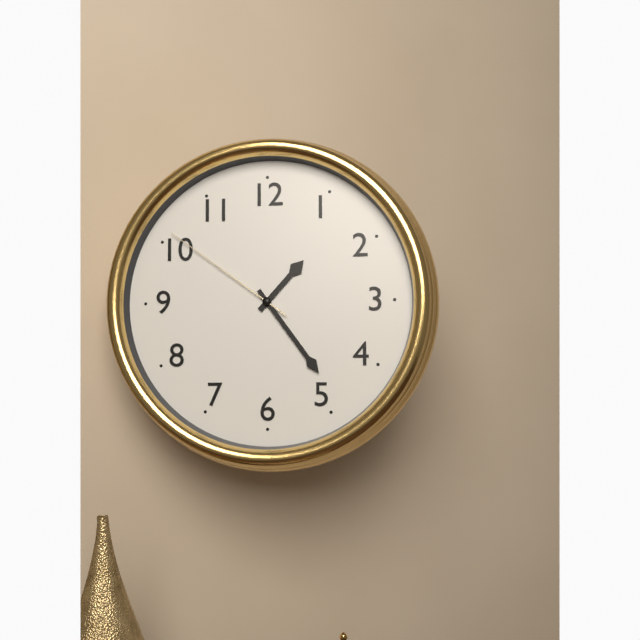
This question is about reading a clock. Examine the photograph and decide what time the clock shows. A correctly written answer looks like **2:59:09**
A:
**1:24:51**
